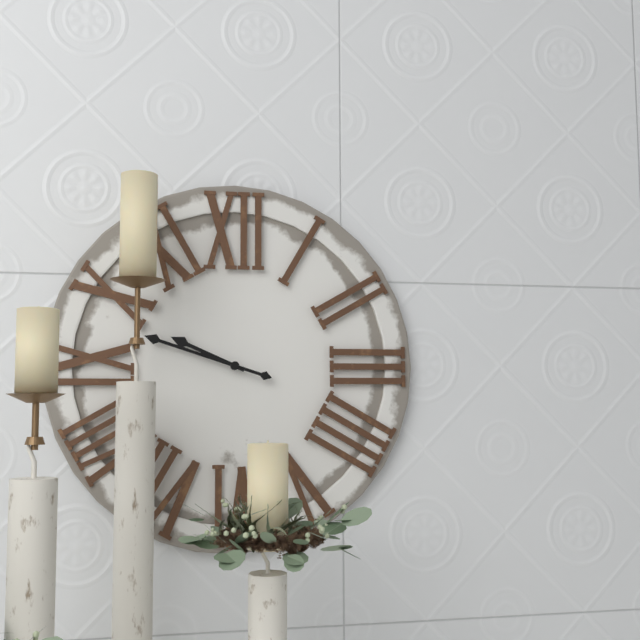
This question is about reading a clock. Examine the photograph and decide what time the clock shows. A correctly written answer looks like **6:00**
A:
**9:48**
